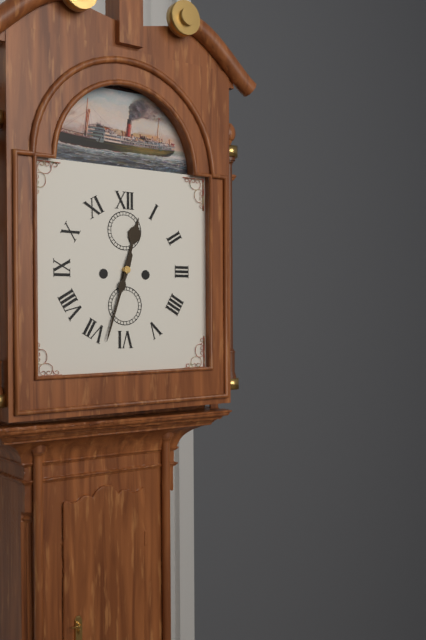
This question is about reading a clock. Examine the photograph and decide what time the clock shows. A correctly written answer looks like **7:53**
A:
**12:33**
